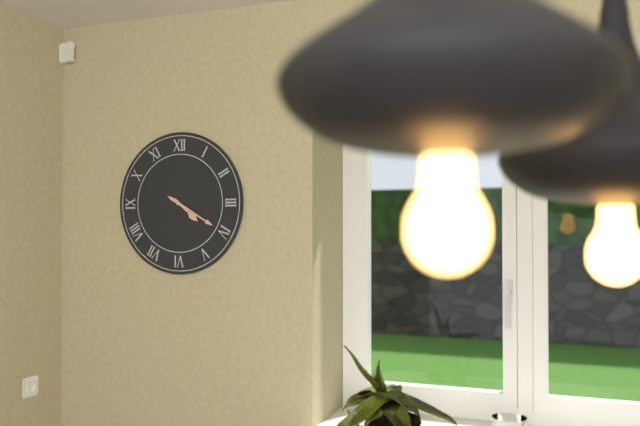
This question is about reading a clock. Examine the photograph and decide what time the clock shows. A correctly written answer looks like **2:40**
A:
**4:20**
